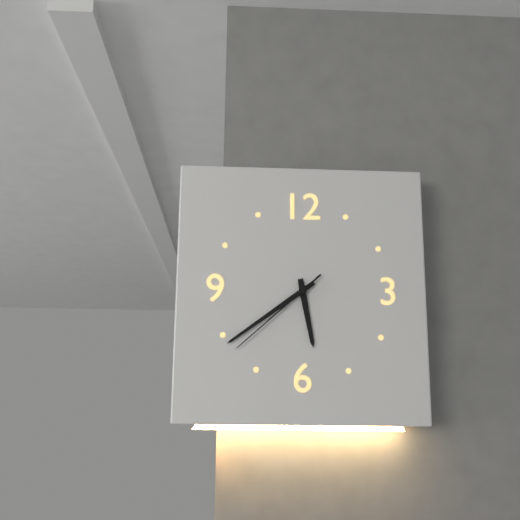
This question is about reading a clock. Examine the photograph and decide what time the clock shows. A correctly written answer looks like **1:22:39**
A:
**5:39:38**
